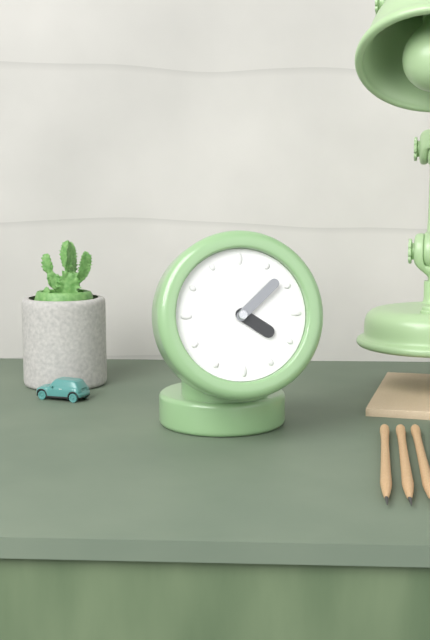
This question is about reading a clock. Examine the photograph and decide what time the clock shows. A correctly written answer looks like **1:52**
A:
**4:08**
